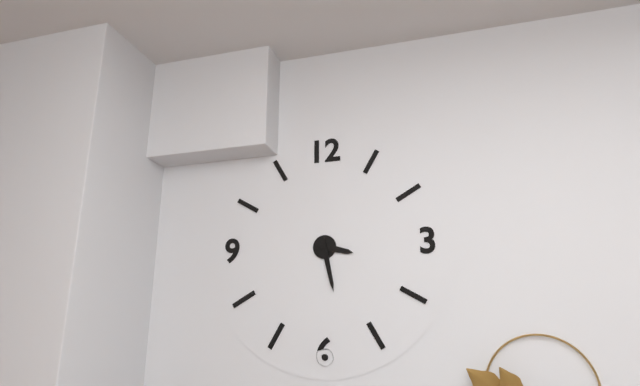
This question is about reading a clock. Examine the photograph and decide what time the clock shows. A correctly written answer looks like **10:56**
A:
**3:28**
